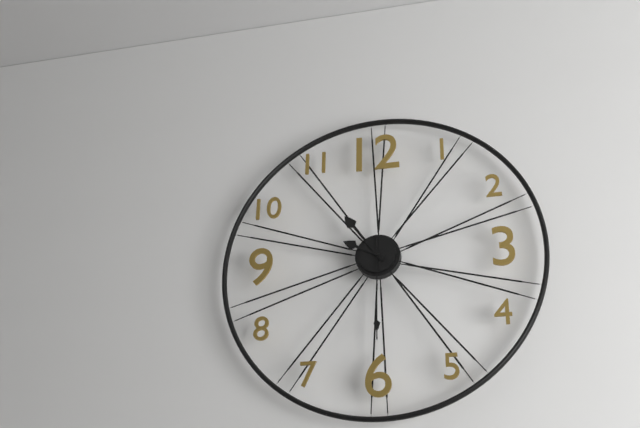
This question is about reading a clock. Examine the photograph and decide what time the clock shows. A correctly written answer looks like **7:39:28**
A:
**9:54:30**
